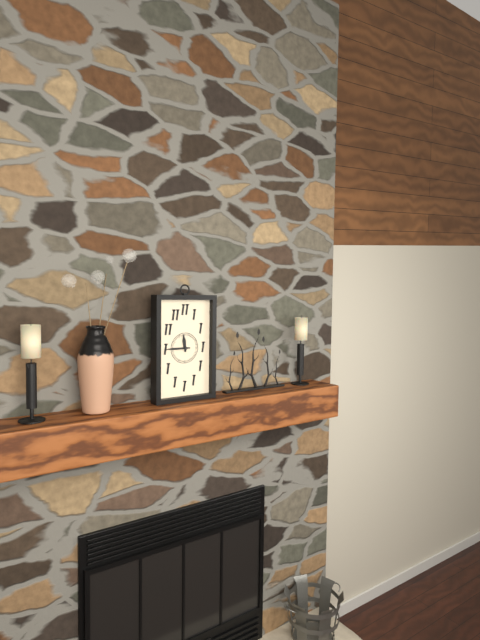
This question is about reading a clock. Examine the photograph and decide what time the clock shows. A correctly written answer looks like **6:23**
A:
**11:45**
